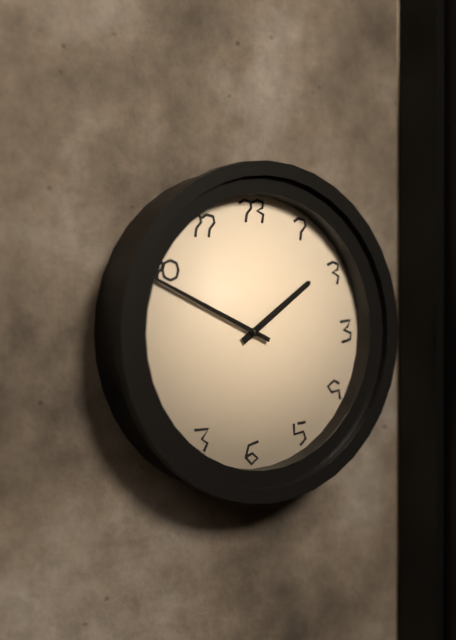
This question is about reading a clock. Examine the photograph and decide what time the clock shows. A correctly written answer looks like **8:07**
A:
**1:49**
